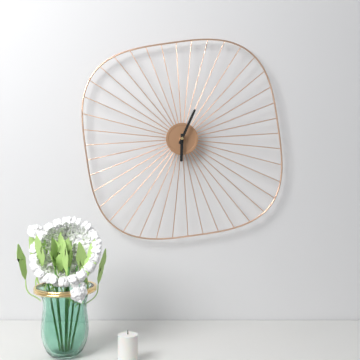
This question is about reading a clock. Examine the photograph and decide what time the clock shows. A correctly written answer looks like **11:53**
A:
**6:04**
